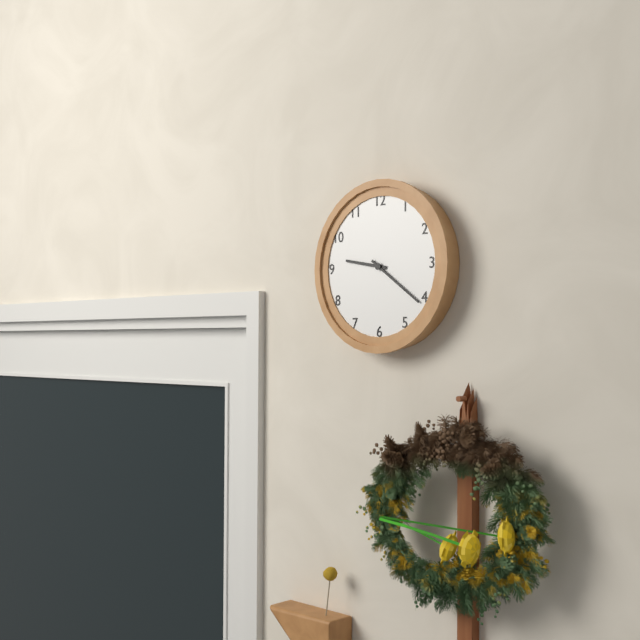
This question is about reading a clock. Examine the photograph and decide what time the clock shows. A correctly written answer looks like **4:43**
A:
**9:21**
